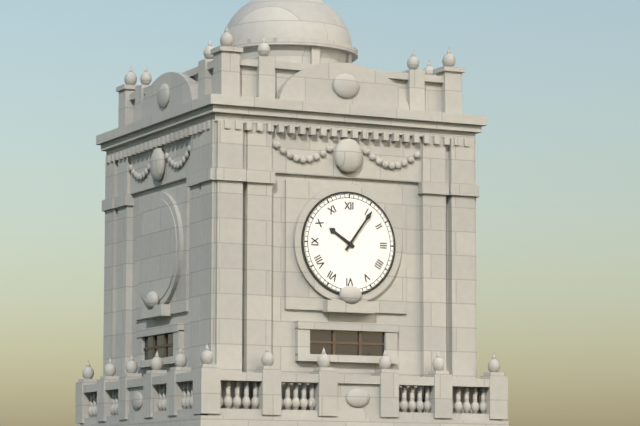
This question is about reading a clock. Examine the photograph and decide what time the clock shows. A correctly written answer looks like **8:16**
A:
**10:06**
